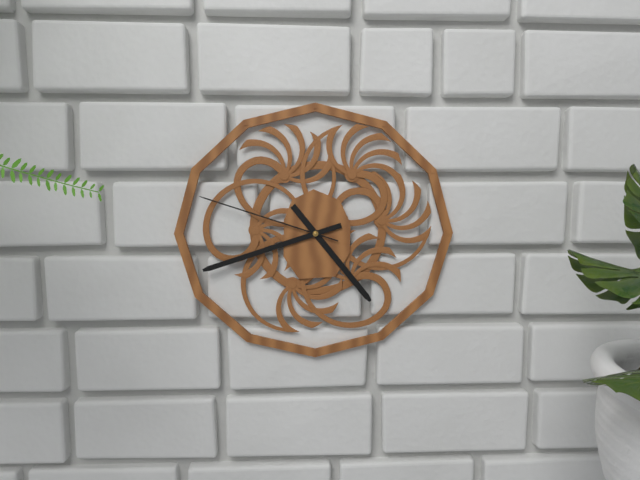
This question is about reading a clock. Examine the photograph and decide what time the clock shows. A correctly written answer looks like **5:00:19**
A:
**4:42:48**
